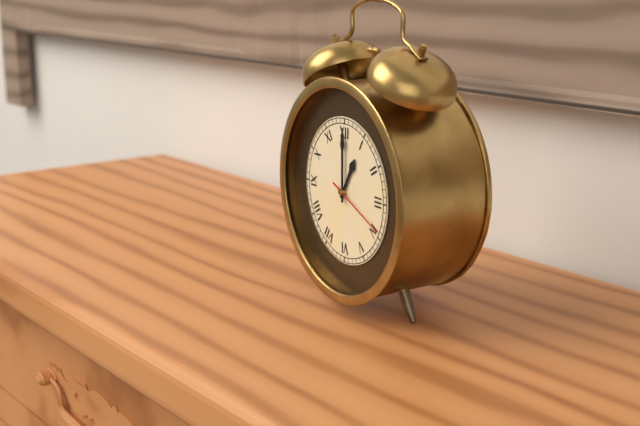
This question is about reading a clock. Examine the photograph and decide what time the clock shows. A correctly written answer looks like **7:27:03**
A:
**1:00:19**
